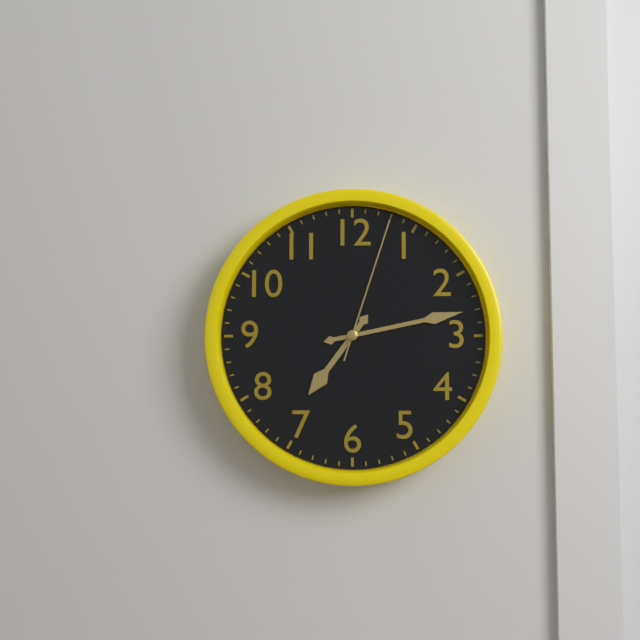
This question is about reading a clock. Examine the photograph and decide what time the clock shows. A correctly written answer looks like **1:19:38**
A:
**7:13:03**
